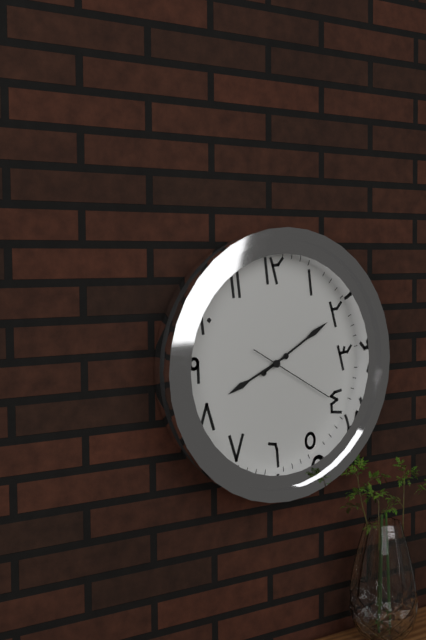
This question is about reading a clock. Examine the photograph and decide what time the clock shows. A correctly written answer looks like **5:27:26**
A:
**8:10:20**
